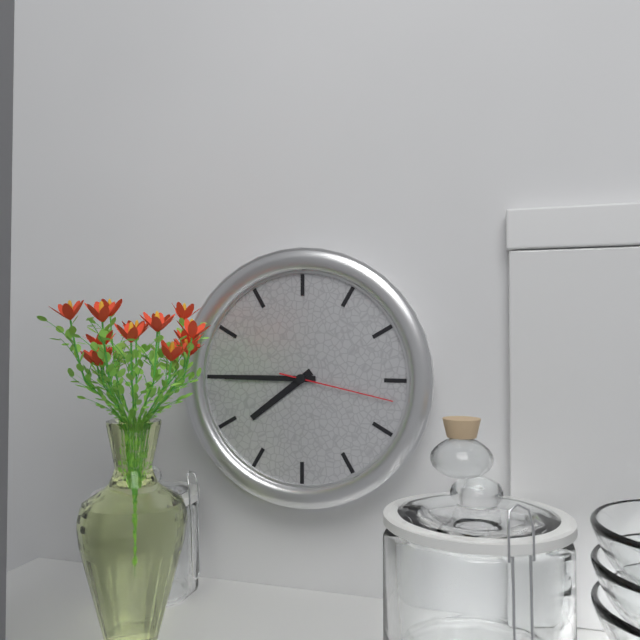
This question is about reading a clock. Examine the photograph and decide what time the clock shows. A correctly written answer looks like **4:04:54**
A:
**7:45:17**
